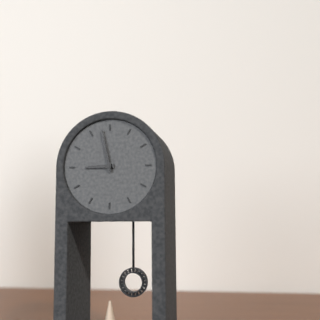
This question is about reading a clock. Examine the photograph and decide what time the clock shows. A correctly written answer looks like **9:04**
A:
**8:58**
